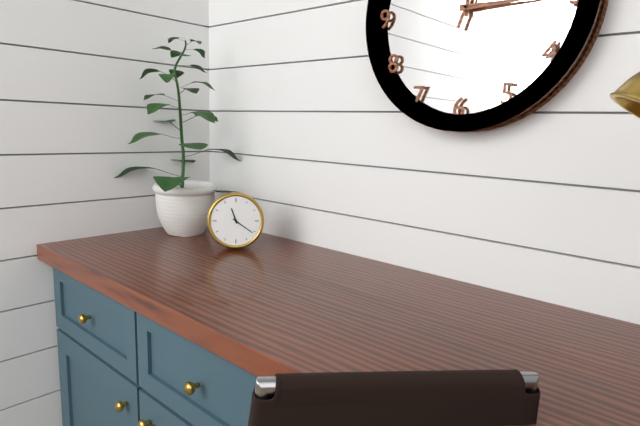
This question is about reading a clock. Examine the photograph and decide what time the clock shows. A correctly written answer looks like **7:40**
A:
**11:21**
